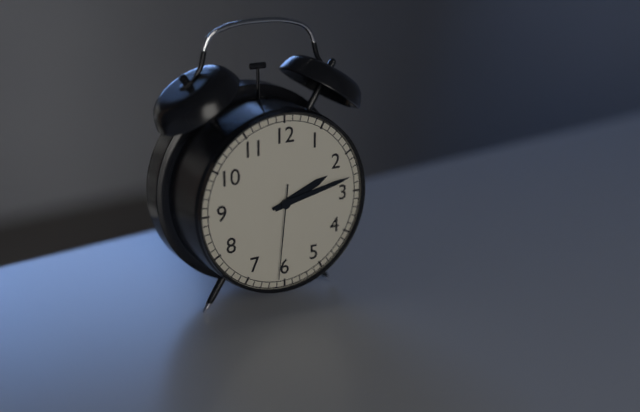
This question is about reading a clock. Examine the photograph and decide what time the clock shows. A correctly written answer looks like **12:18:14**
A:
**2:13:31**
